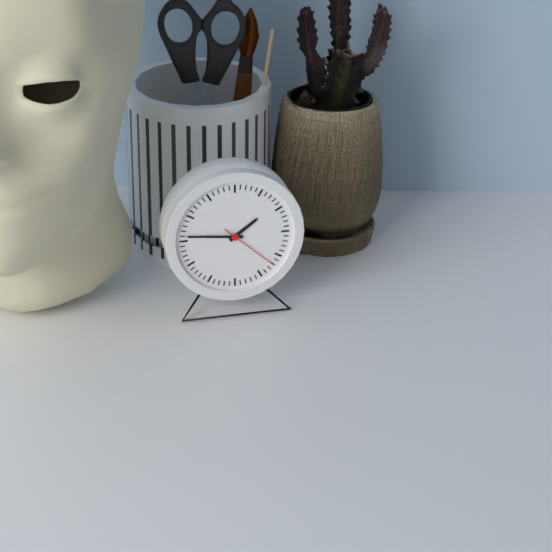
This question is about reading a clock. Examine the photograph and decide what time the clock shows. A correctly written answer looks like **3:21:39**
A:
**1:46:22**
